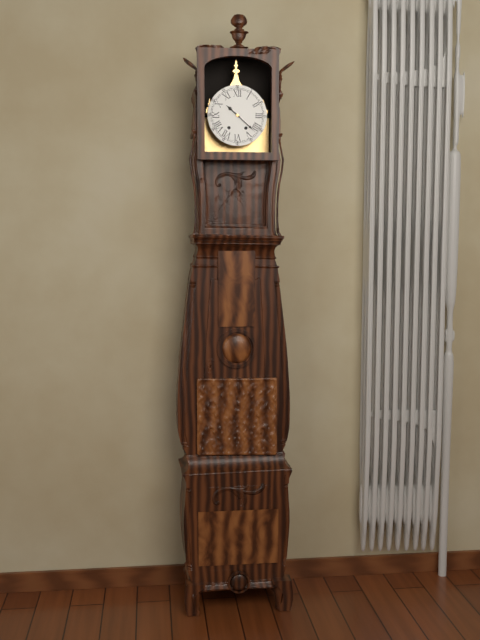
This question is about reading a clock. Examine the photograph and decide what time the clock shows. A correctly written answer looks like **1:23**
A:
**10:22**
